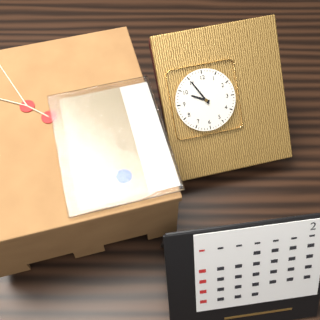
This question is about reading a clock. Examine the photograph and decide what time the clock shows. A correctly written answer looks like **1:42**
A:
**9:55**
